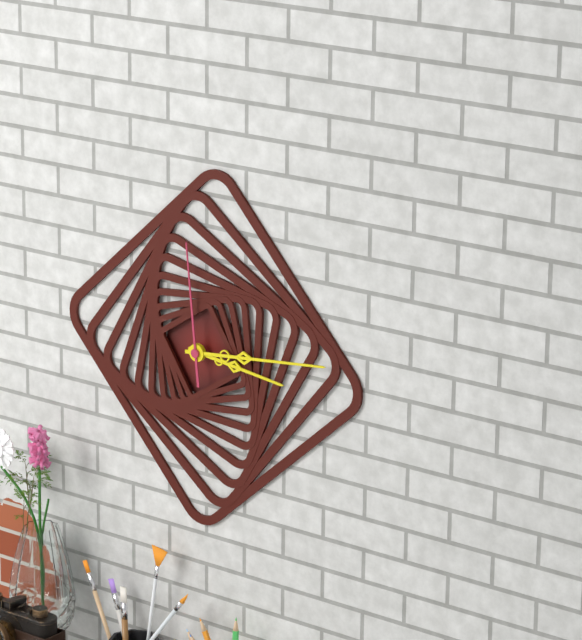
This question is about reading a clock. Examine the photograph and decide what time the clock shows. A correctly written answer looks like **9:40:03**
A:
**3:14:59**
